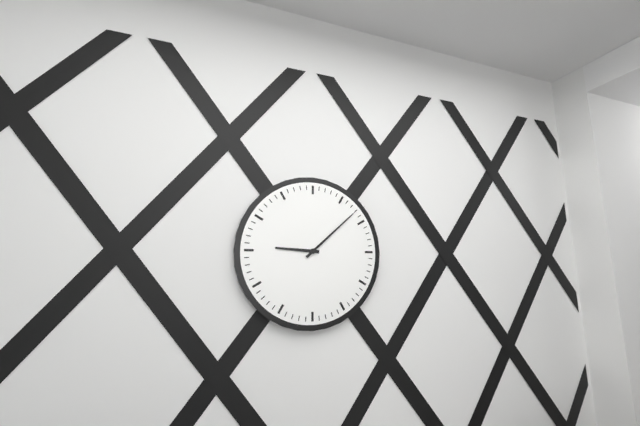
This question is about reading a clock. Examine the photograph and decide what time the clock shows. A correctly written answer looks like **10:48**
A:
**9:08**
